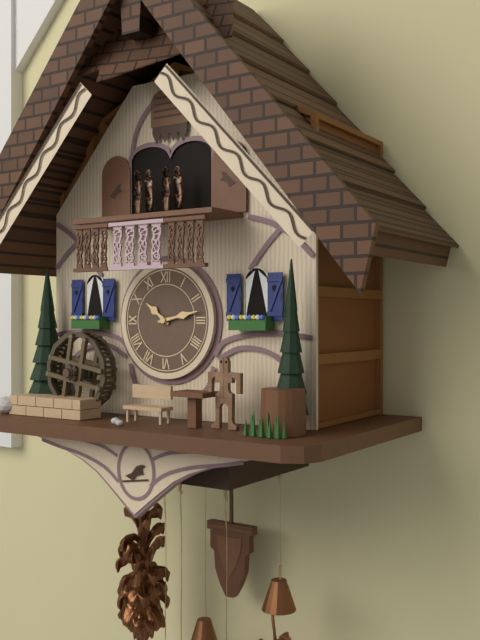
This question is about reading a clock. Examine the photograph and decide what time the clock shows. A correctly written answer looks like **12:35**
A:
**10:13**
